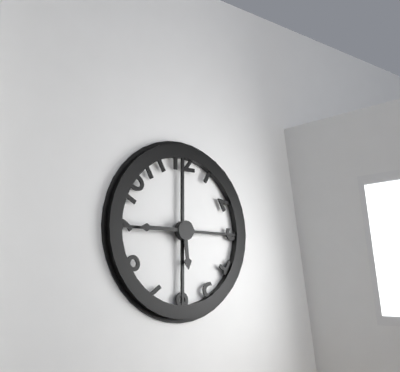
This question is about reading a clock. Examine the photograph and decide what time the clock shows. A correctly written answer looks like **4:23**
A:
**5:45**
